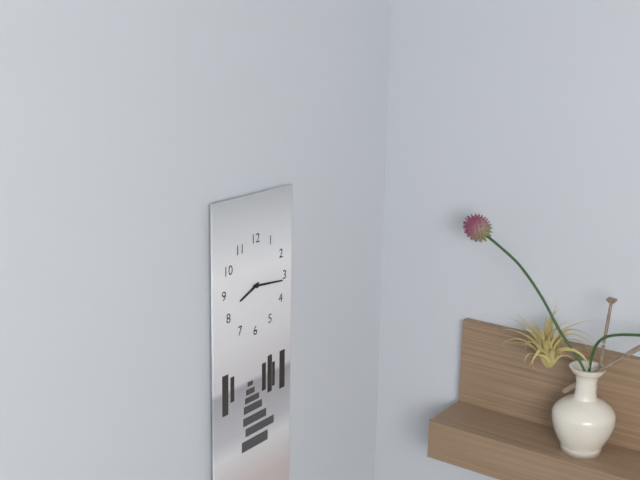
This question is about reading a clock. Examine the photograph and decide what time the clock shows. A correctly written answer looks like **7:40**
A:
**8:16**
